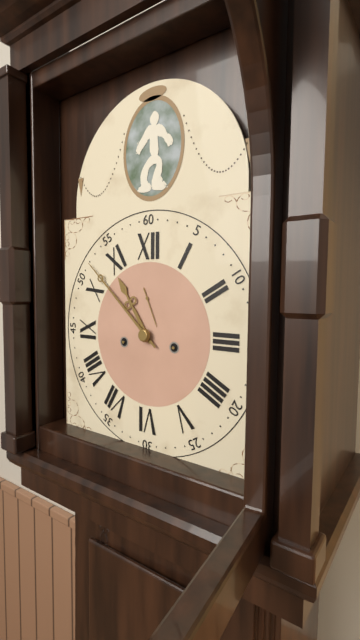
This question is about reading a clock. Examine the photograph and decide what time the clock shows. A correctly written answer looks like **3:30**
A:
**10:52**
